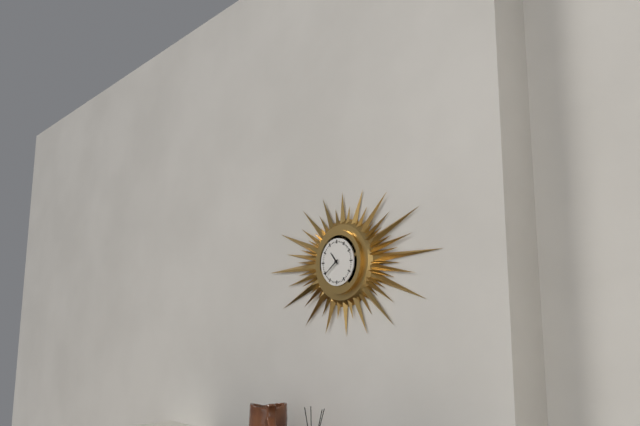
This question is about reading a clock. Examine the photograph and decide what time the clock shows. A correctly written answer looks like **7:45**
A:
**10:39**
